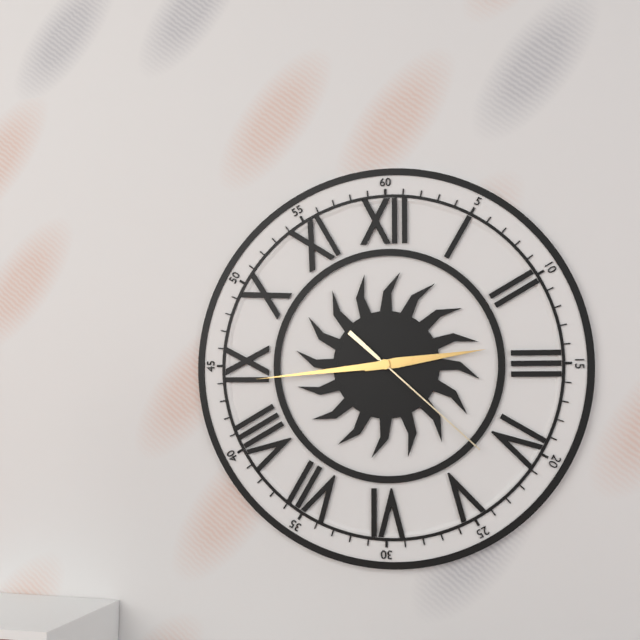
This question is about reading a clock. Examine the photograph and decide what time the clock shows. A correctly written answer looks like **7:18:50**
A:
**2:44:22**
